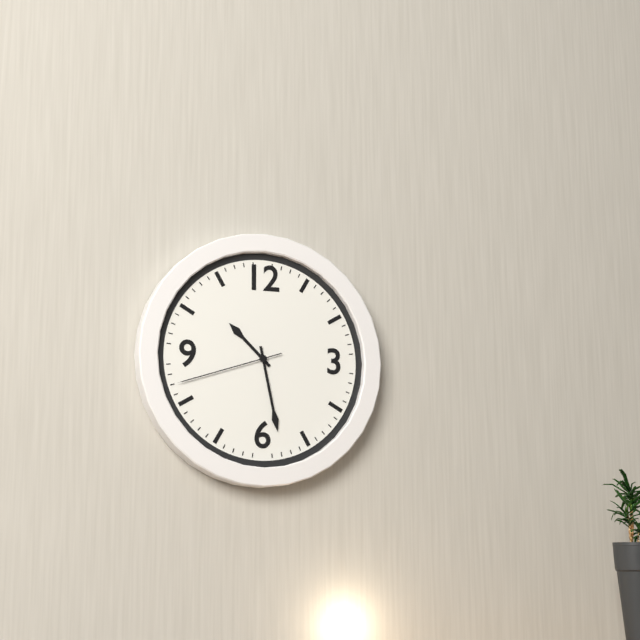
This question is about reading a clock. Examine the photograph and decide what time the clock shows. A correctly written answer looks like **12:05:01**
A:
**10:28:42**
